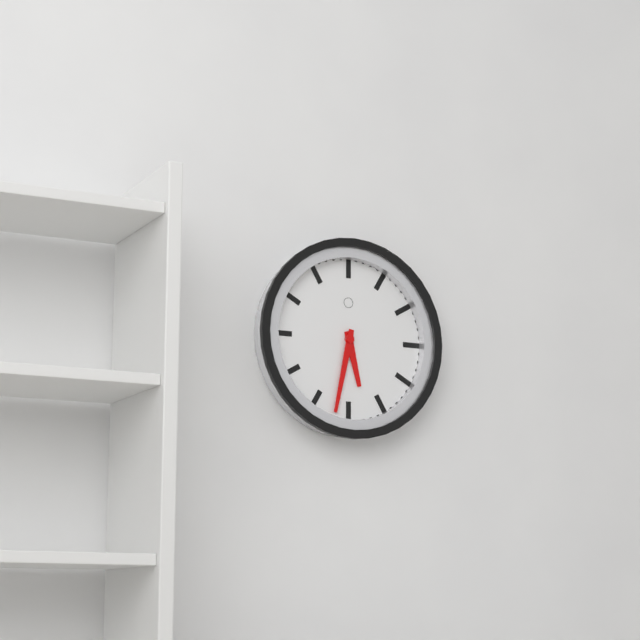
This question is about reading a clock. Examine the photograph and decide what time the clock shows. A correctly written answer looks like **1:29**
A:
**5:32**
